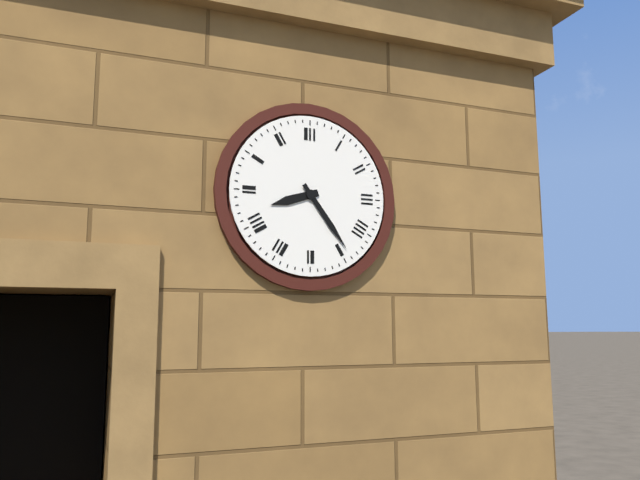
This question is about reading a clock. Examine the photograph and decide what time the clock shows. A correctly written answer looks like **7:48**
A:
**8:24**
